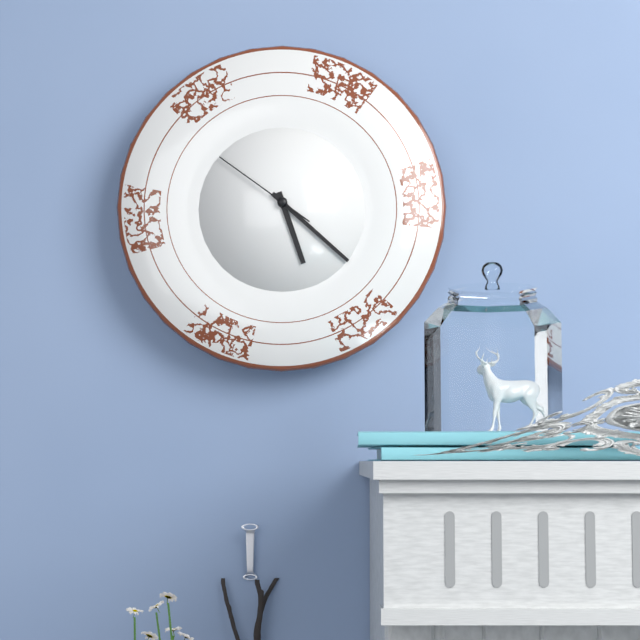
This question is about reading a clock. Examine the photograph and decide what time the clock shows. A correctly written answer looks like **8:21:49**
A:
**5:22:51**
